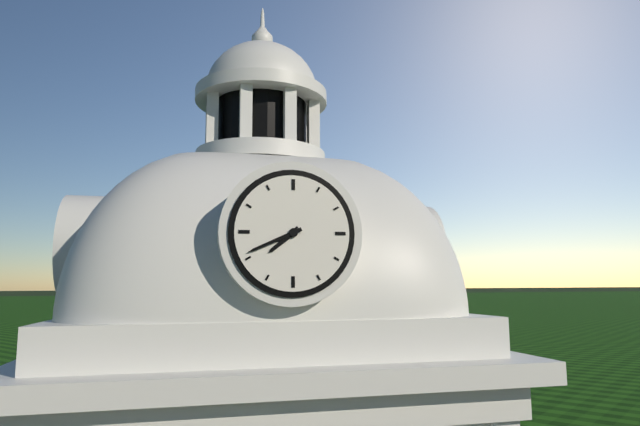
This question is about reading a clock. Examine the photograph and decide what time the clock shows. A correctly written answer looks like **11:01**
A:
**7:41**
